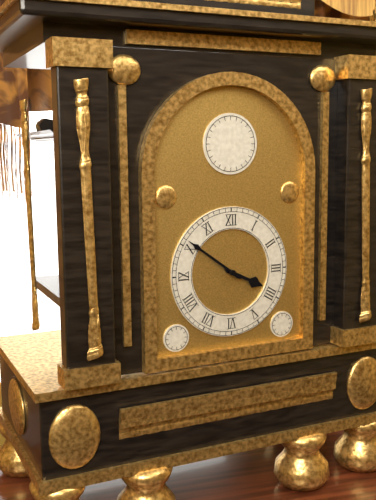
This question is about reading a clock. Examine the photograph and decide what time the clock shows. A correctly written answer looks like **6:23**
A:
**3:51**
